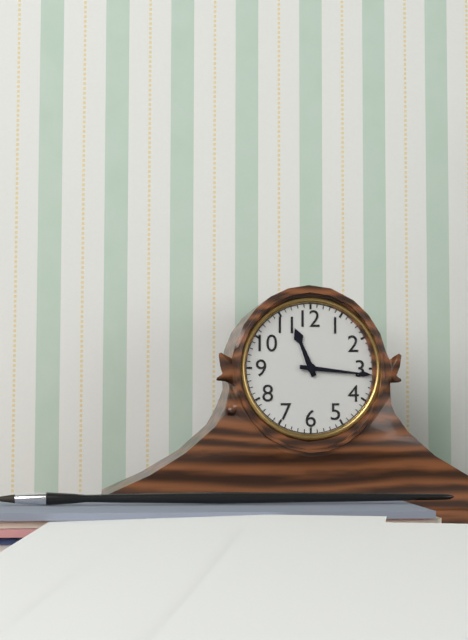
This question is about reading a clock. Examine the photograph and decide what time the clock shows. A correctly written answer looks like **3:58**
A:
**11:16**
